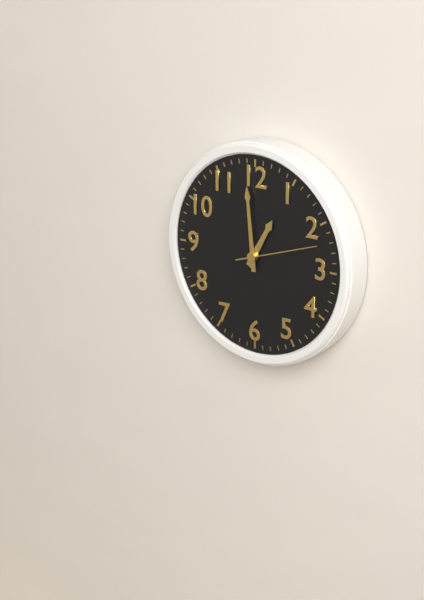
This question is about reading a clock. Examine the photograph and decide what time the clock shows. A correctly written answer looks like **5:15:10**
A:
**12:59:12**
